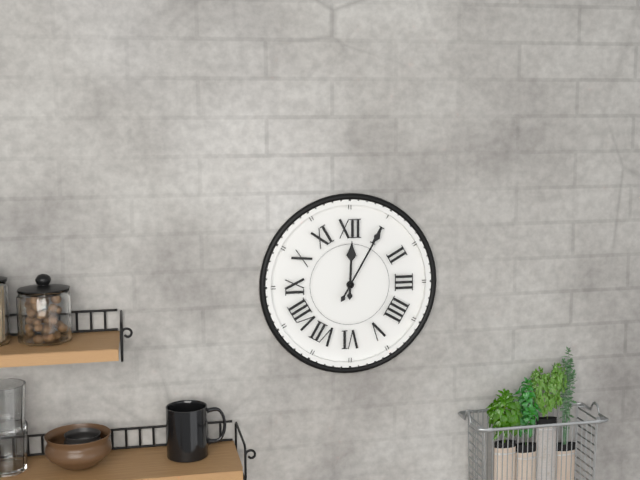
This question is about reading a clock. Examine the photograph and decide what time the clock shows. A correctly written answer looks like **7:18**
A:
**12:05**
